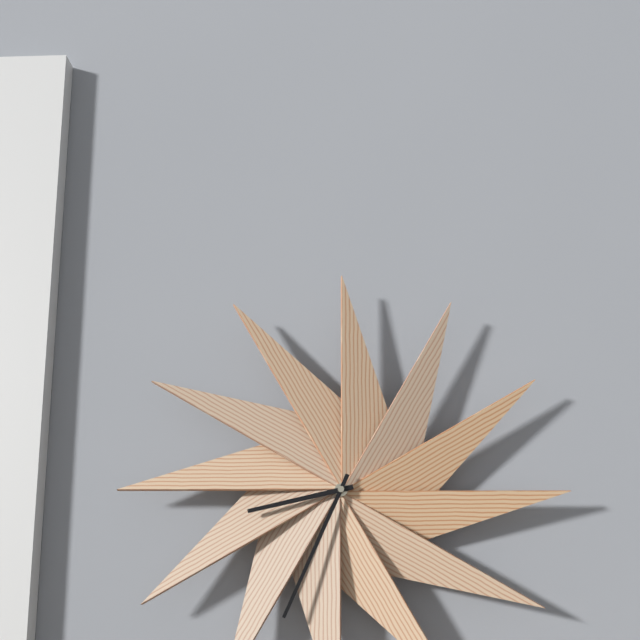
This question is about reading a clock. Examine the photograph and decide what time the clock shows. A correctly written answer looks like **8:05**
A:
**8:34**
